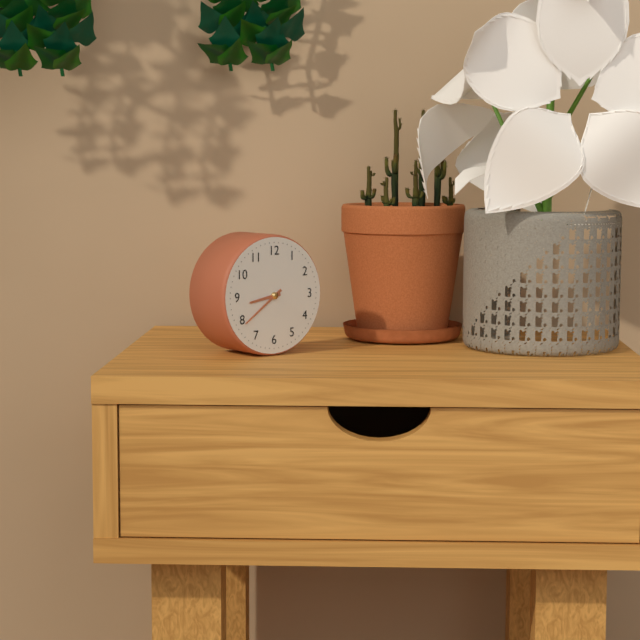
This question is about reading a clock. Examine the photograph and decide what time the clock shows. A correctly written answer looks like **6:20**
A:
**8:39**
